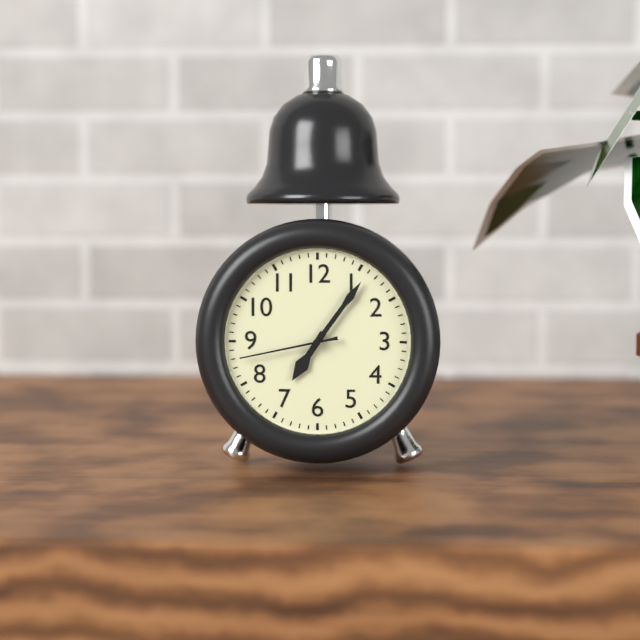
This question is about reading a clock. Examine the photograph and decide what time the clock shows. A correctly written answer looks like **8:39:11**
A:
**7:06:43**
